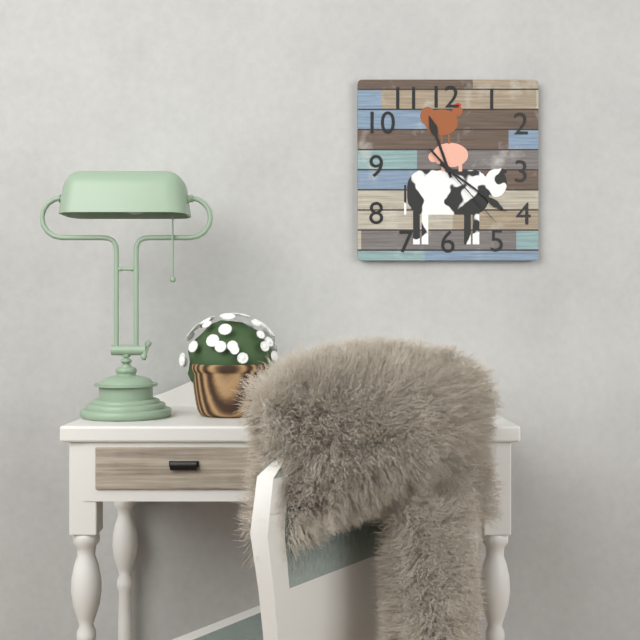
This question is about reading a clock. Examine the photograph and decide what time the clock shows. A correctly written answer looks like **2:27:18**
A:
**11:21:23**
